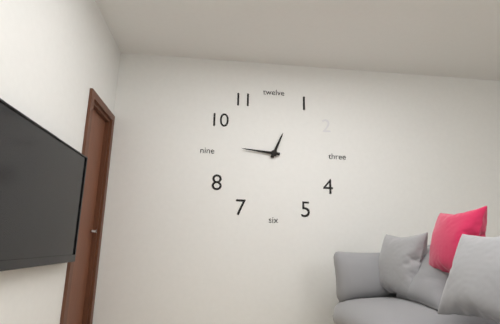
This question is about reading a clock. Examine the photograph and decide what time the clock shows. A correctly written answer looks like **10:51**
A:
**12:46**
